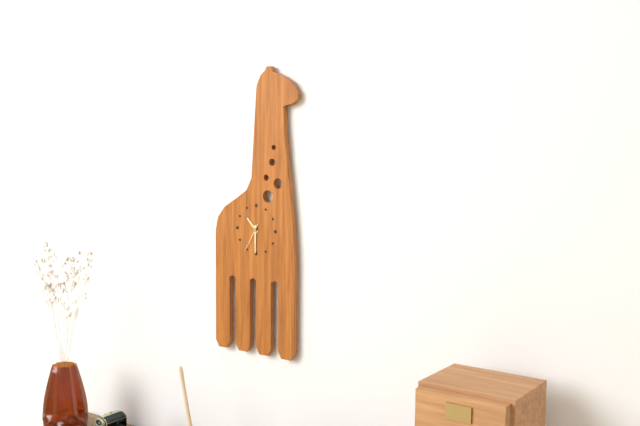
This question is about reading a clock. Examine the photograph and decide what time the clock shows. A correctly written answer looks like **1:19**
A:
**10:30**
